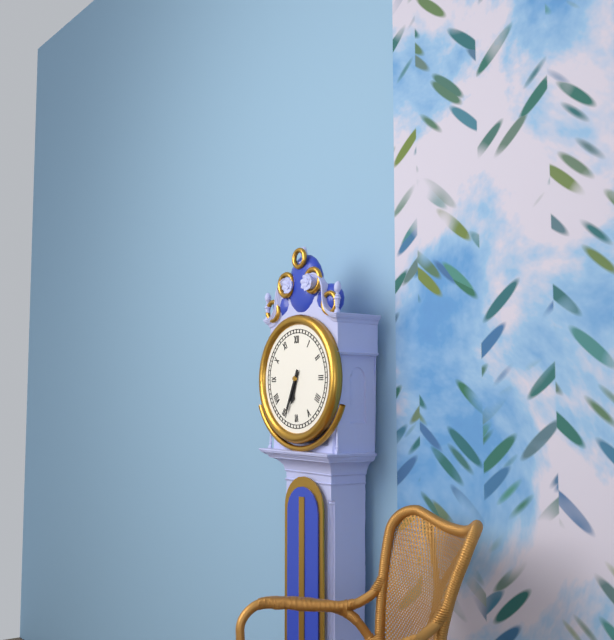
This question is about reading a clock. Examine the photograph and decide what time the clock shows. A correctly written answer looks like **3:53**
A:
**6:34**
